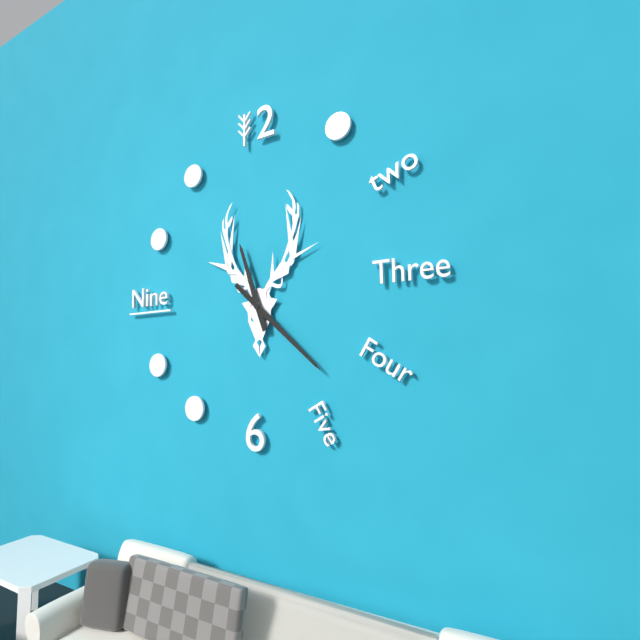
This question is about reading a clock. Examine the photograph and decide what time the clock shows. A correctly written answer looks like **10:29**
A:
**11:22**
